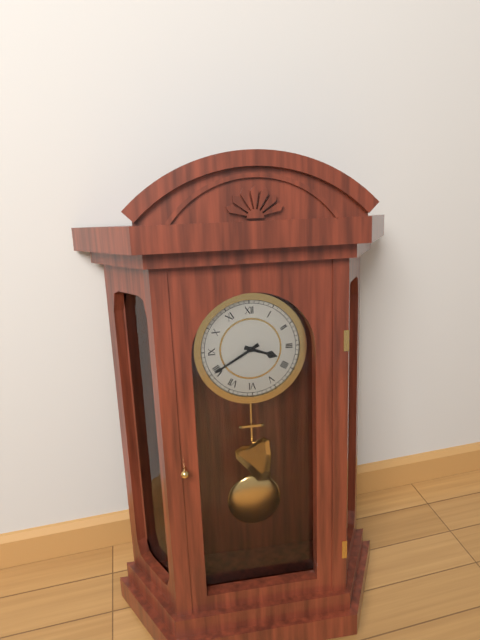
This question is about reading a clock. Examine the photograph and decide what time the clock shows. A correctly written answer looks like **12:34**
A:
**3:40**
